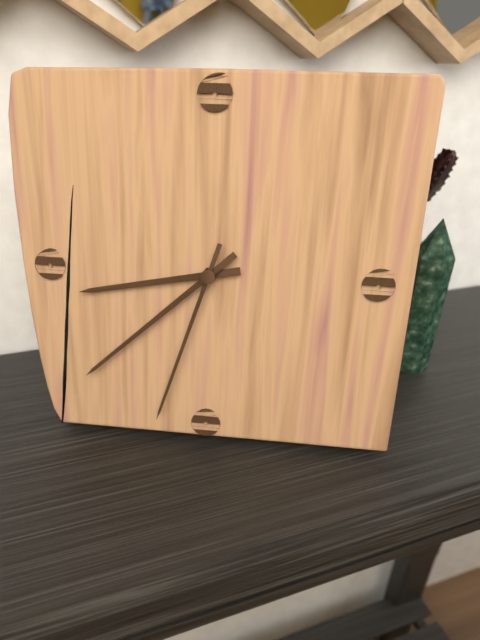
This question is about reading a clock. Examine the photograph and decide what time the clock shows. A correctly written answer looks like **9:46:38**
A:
**8:38:33**
